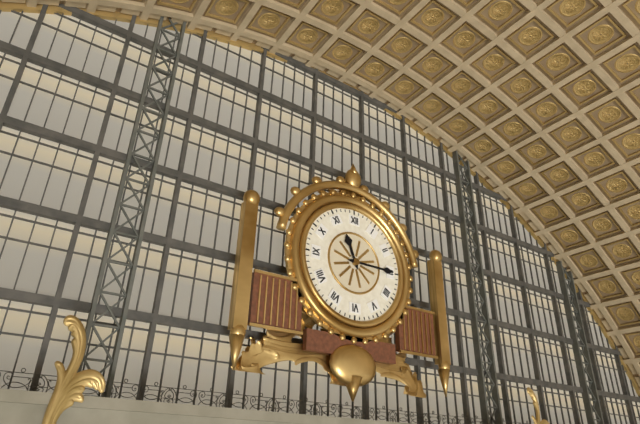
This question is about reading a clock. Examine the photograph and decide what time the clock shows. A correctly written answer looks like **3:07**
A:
**11:15**
